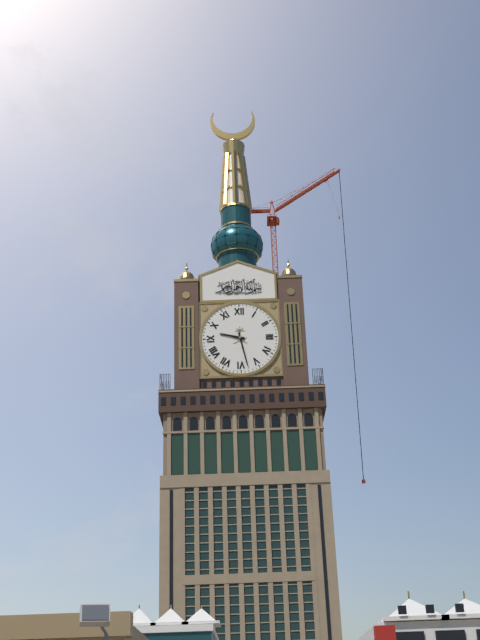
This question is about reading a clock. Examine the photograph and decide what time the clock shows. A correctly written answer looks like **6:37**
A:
**9:28**
